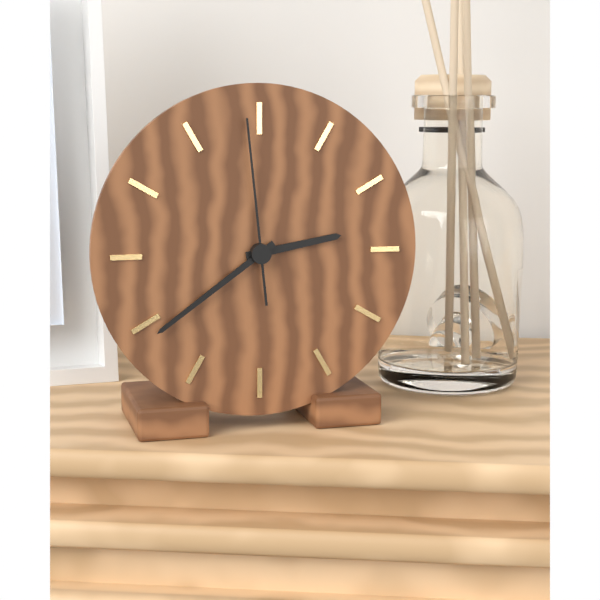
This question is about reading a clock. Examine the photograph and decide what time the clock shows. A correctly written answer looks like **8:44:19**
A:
**2:39:59**
